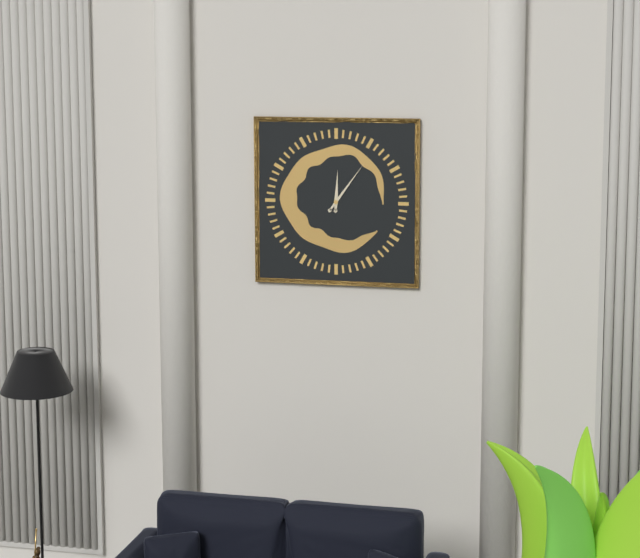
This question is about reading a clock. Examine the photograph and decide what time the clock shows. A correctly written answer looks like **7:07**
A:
**12:06**
